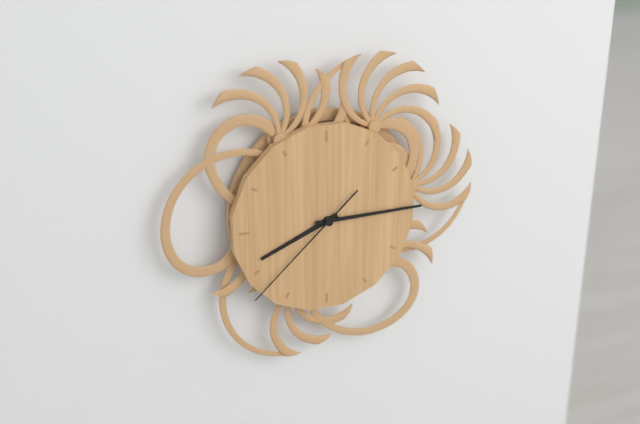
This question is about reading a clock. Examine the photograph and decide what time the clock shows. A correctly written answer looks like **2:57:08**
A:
**8:15:38**
